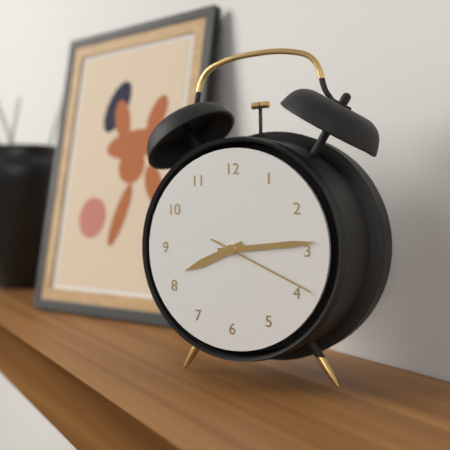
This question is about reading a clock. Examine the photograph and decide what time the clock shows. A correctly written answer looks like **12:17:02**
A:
**8:14:19**
